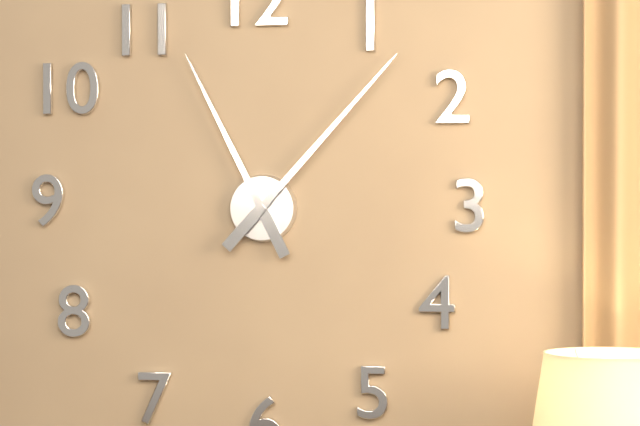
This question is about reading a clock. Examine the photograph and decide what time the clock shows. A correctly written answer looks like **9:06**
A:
**11:07**
